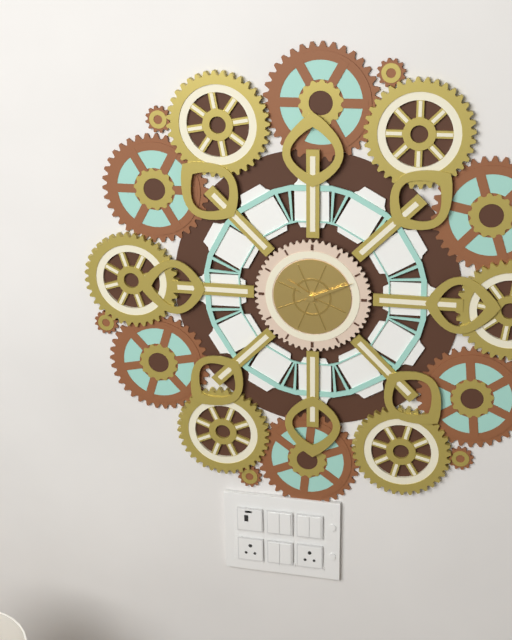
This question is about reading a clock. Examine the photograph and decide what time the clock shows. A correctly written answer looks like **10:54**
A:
**10:11**
